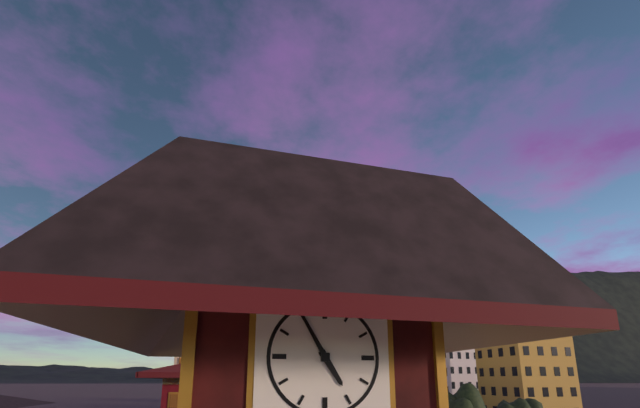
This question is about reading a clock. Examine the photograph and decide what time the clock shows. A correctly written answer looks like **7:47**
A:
**4:55**
